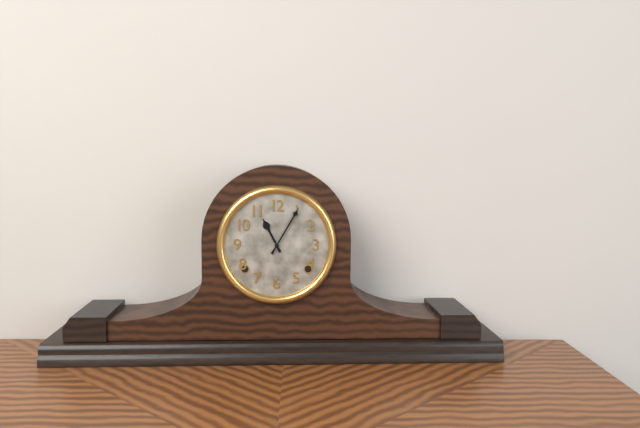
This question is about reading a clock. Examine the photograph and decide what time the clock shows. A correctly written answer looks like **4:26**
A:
**11:05**
